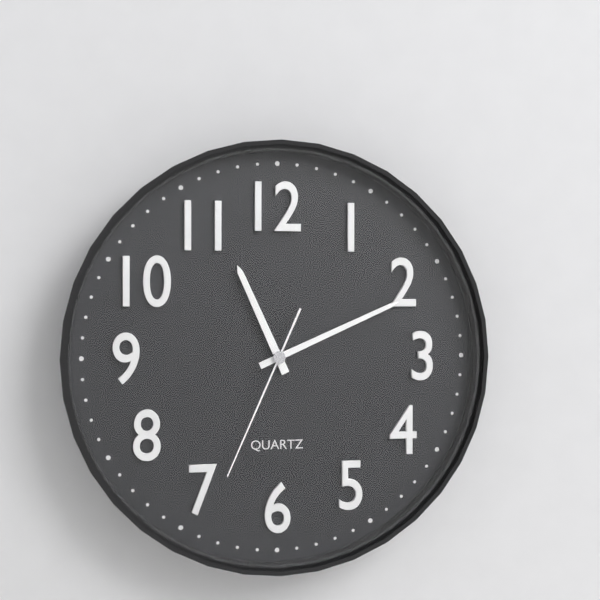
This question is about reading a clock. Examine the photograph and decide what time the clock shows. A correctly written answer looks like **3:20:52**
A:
**11:11:34**
